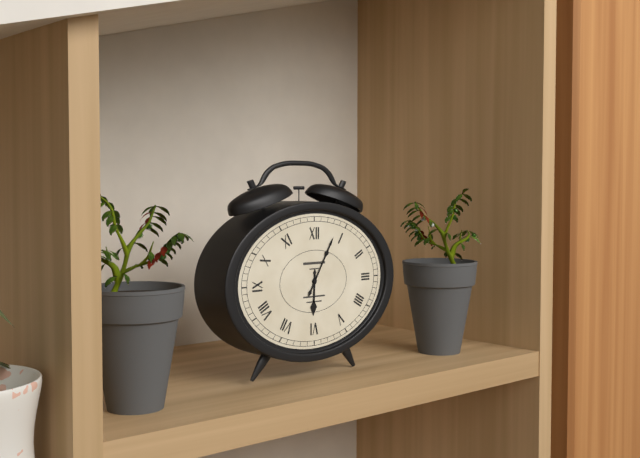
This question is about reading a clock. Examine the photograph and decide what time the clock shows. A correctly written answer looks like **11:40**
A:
**6:05**
